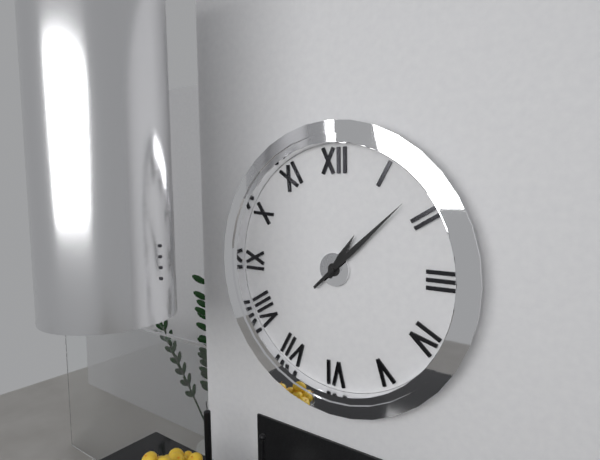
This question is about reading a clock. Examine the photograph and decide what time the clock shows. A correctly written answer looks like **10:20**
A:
**1:08**
